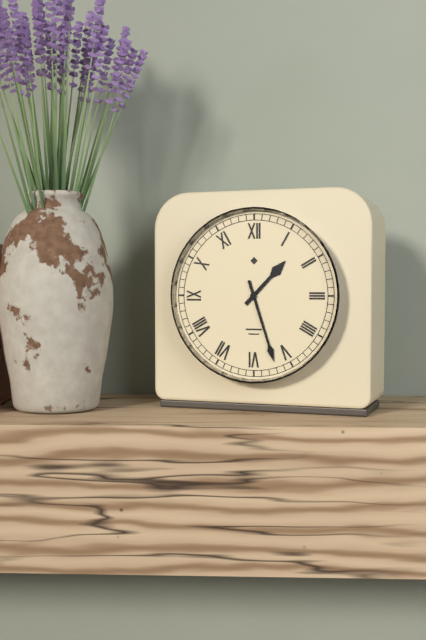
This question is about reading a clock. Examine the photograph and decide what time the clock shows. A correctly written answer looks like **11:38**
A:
**1:27**
